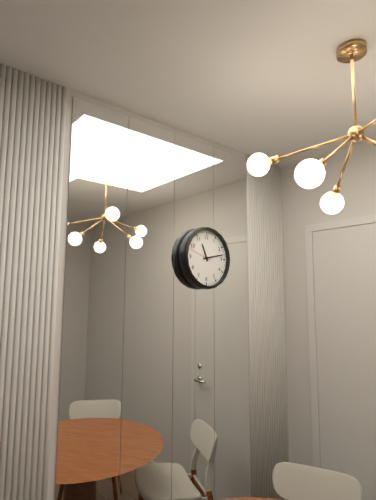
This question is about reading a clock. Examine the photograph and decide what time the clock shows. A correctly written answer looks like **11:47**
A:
**11:13**
